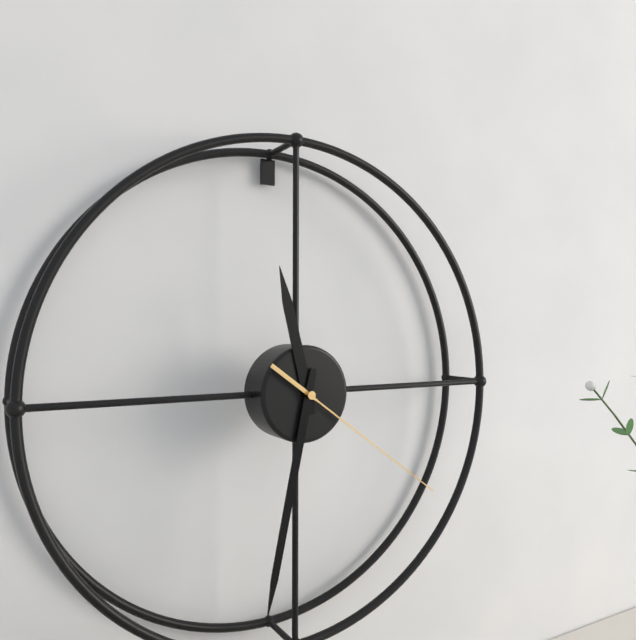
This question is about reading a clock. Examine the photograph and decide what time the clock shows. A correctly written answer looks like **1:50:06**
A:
**11:32:21**
